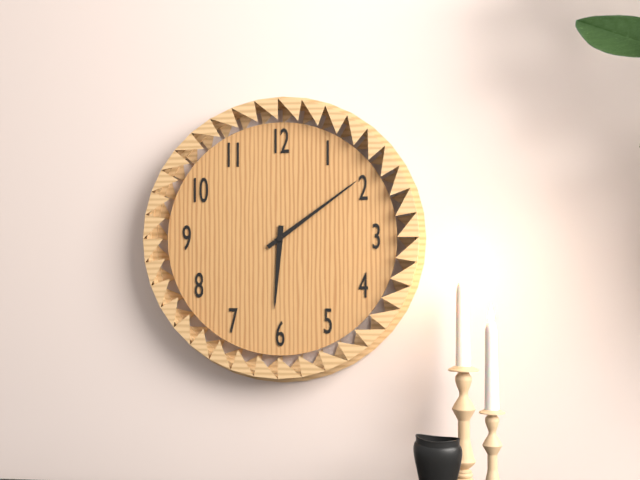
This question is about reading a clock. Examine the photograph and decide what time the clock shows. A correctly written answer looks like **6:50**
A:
**6:09**
